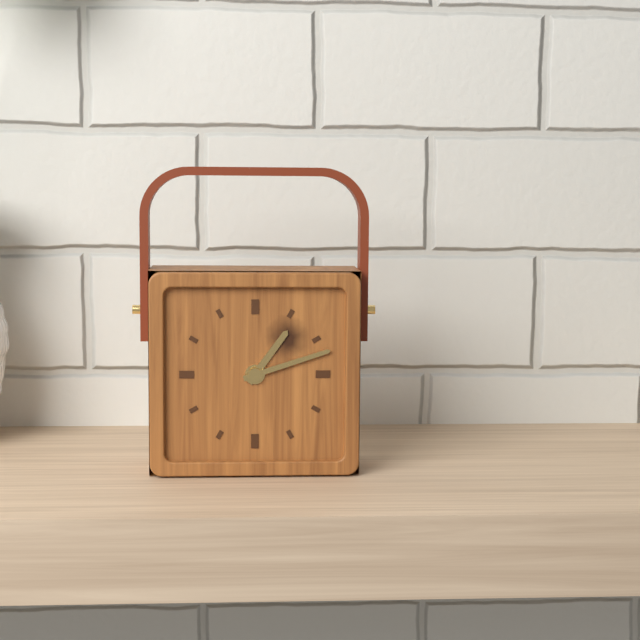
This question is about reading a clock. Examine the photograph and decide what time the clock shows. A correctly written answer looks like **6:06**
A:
**1:12**
